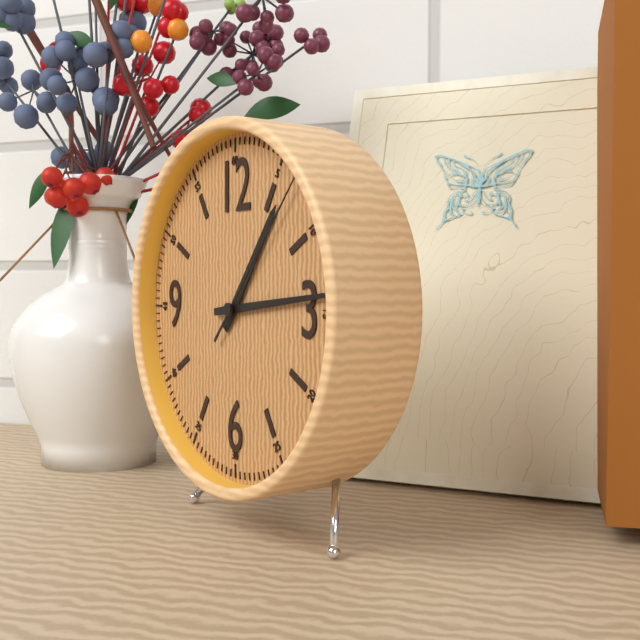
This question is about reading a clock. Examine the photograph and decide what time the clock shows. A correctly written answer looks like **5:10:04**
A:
**1:14:07**
